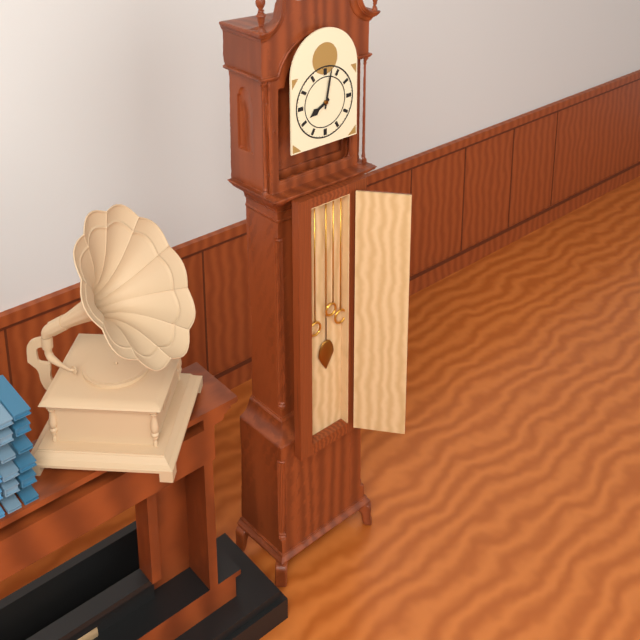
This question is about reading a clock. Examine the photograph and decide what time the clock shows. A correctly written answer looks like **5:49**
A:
**8:02**
